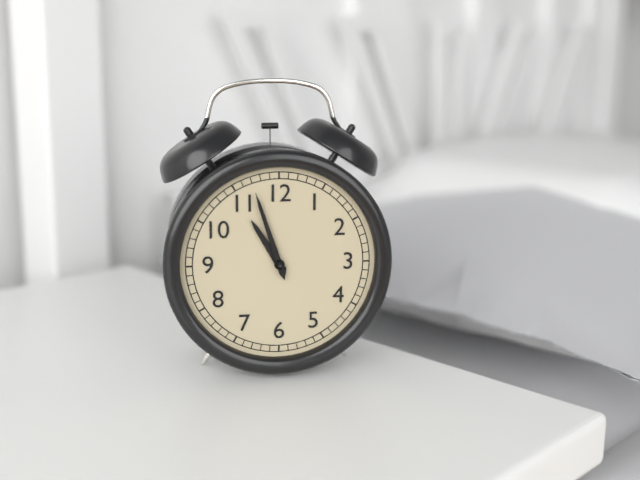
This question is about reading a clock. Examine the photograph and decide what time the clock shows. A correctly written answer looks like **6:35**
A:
**10:57**
